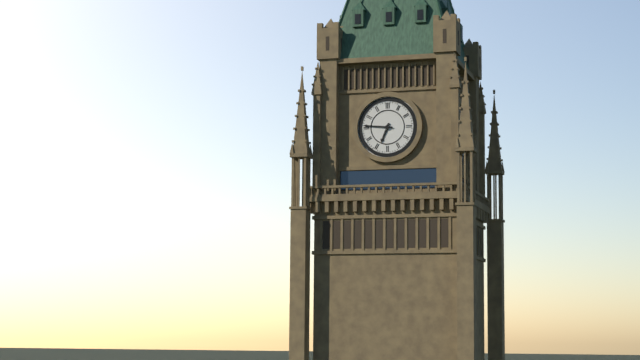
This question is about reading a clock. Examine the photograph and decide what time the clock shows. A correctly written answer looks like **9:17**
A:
**6:46**
